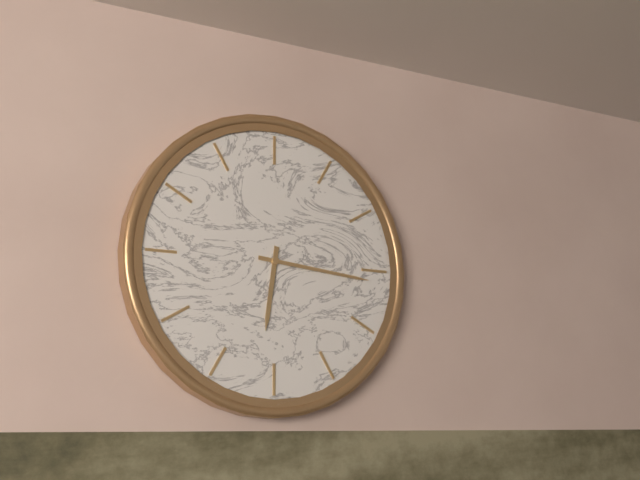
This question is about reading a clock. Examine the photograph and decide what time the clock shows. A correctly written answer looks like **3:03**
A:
**6:16**
